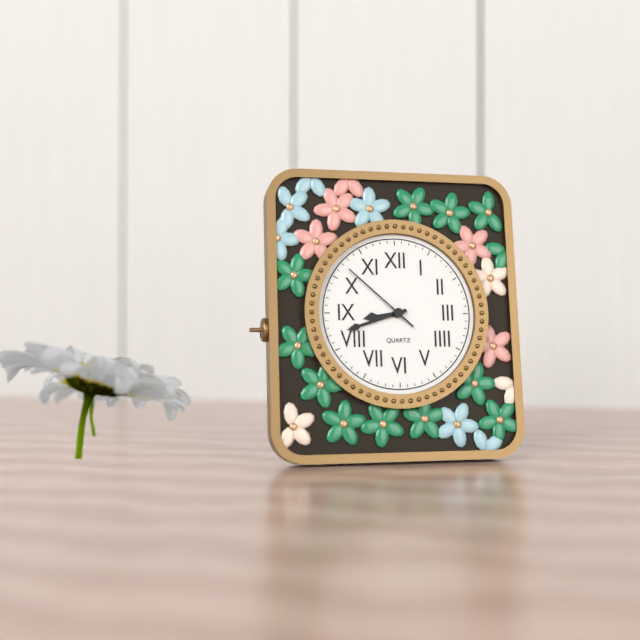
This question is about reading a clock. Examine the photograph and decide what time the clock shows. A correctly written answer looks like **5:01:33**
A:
**8:42:52**
